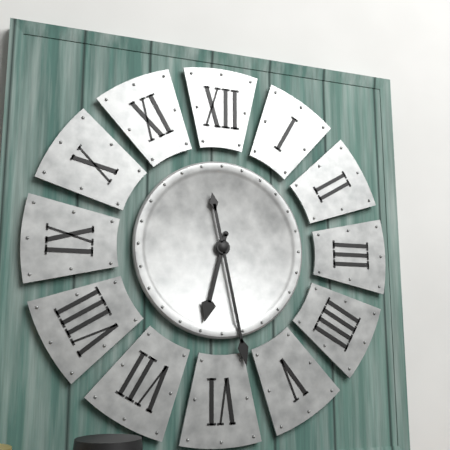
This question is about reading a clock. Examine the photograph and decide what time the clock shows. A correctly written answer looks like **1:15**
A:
**6:28**
